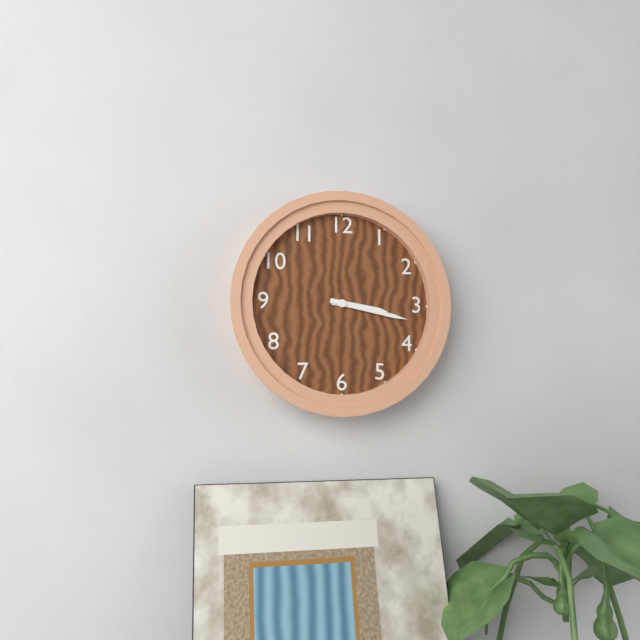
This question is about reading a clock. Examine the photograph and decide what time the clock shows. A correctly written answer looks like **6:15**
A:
**3:17**
